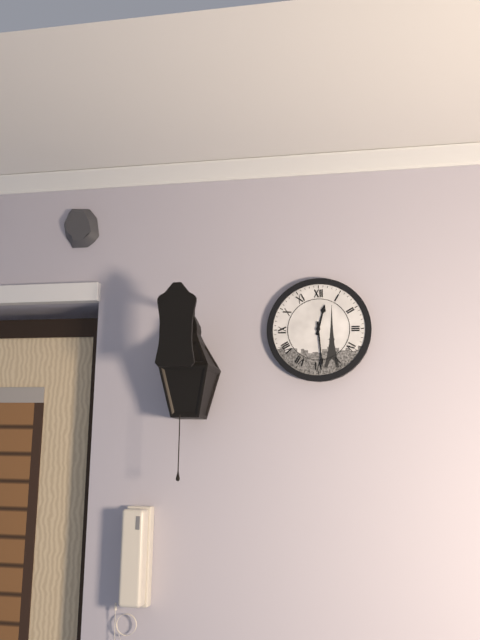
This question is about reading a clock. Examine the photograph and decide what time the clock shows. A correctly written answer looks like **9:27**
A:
**12:29**
